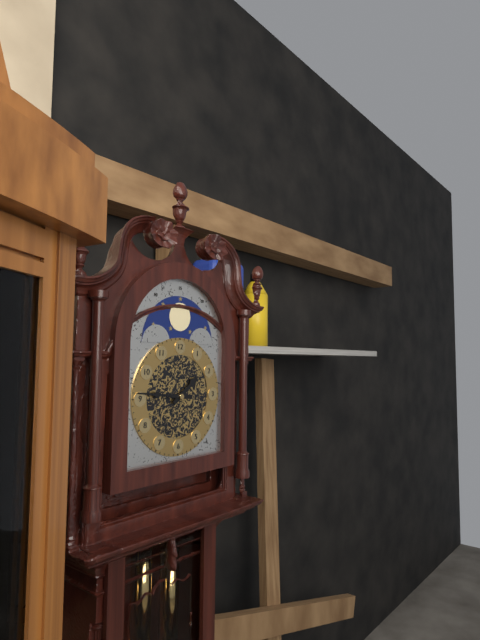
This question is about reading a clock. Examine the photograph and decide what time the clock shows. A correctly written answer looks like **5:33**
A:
**1:46**
